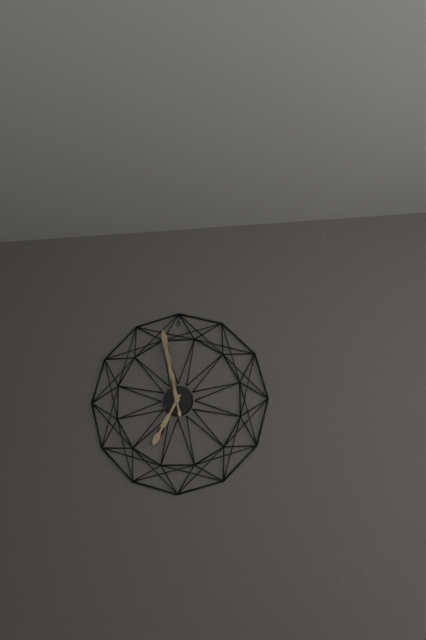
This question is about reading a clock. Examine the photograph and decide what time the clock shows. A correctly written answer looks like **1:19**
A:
**6:58**
